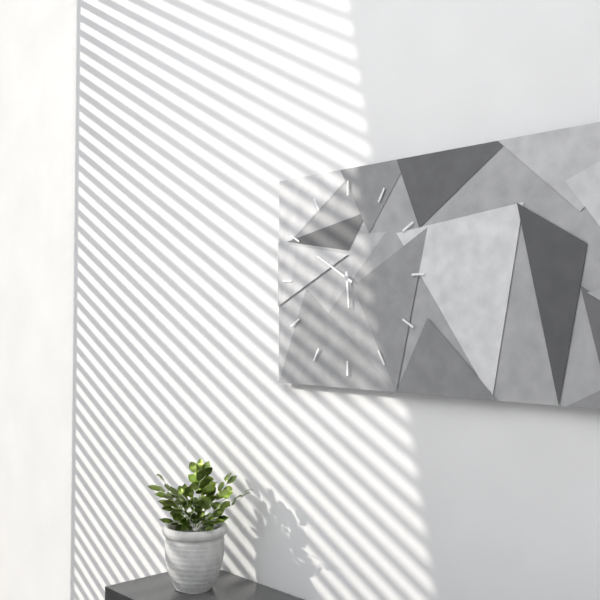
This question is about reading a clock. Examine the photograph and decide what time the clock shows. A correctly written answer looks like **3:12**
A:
**5:50**
